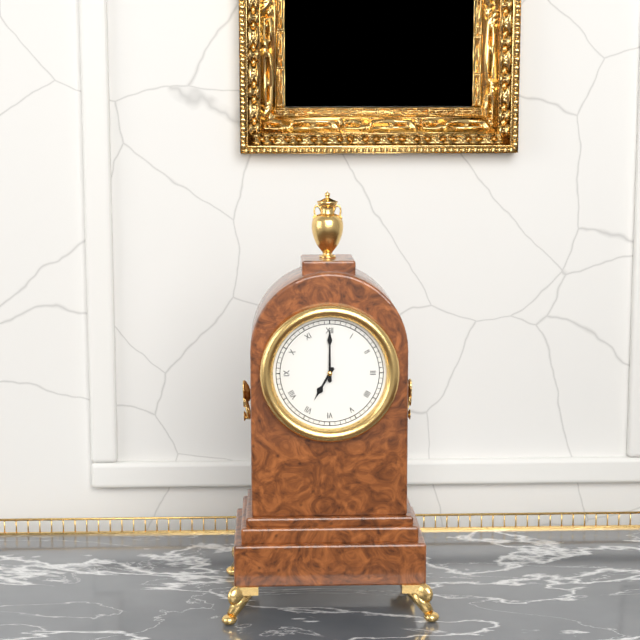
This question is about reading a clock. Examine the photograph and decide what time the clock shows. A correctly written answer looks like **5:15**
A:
**7:00**
